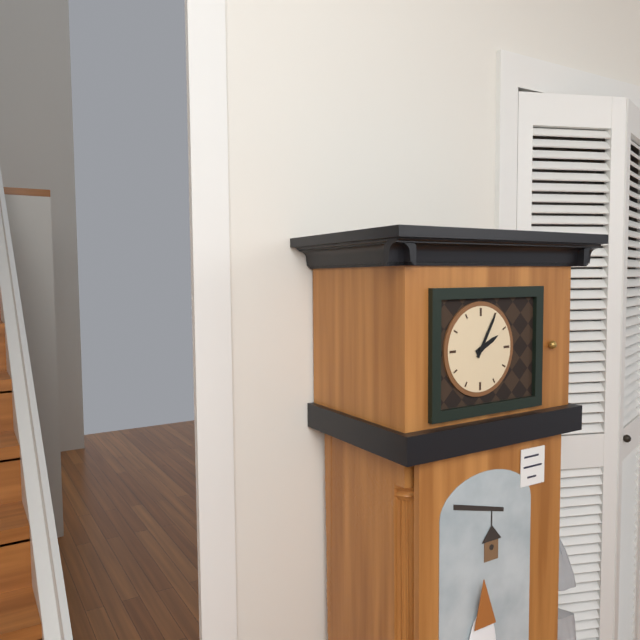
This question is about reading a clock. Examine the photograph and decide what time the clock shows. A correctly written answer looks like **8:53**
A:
**2:05**
